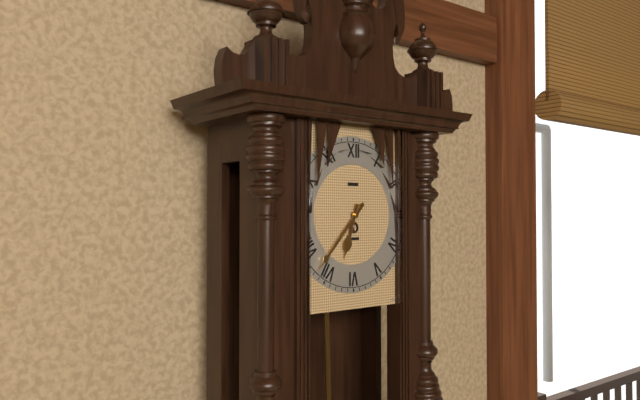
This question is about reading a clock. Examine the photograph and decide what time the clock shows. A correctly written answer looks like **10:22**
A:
**6:37**
